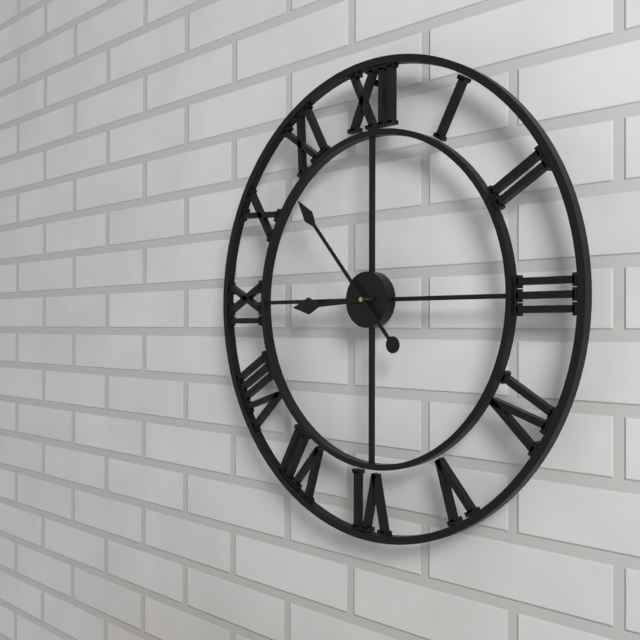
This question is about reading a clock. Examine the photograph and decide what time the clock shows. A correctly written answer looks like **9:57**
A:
**8:53**
